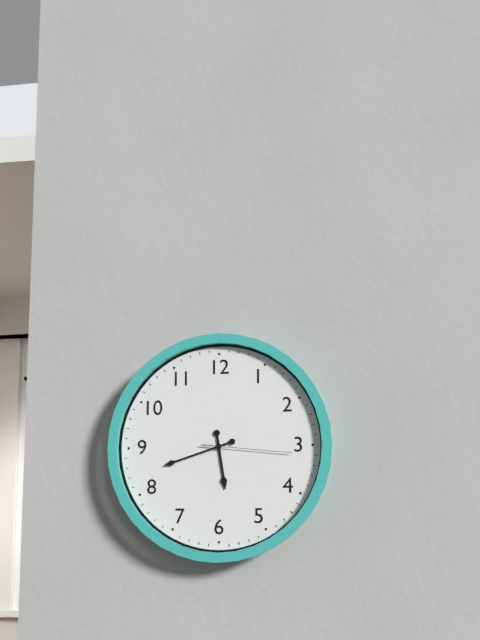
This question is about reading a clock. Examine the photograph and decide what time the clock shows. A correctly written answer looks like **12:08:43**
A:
**5:42:16**
